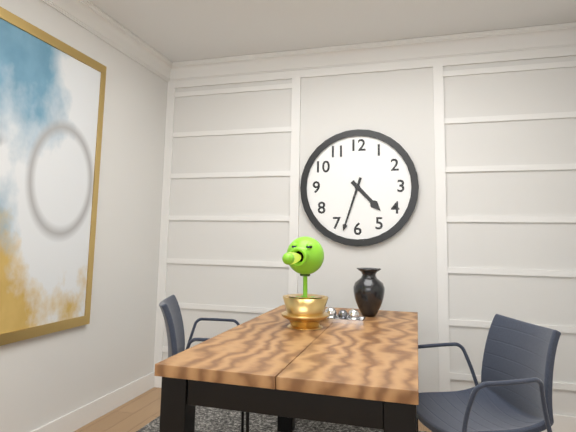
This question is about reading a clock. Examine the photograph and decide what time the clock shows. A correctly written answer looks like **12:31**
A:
**4:33**
